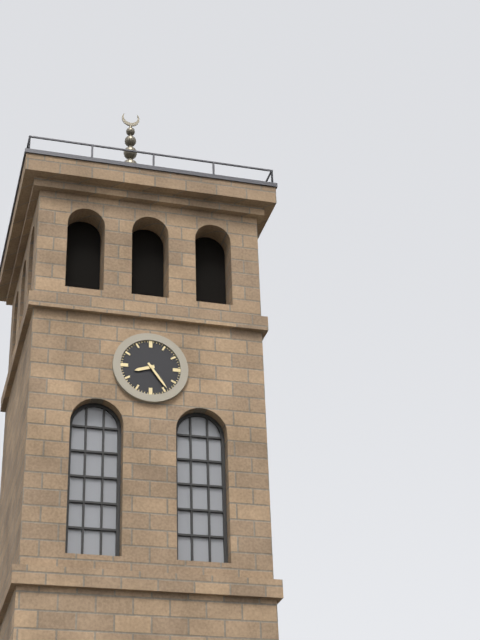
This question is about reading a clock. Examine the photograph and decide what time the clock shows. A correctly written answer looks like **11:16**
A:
**8:24**
